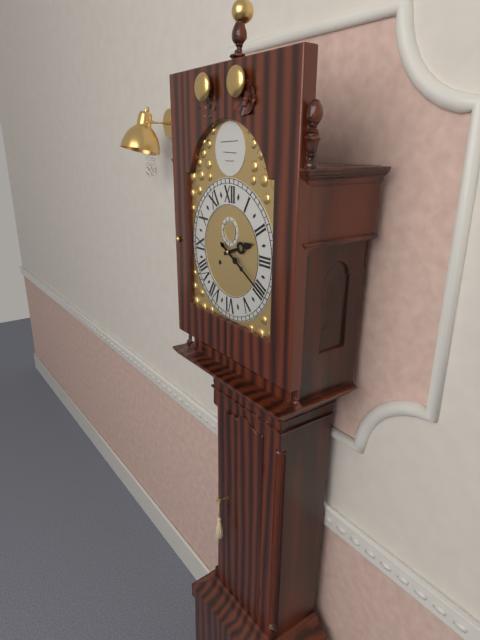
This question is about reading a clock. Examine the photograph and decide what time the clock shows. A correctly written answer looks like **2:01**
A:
**2:20**
